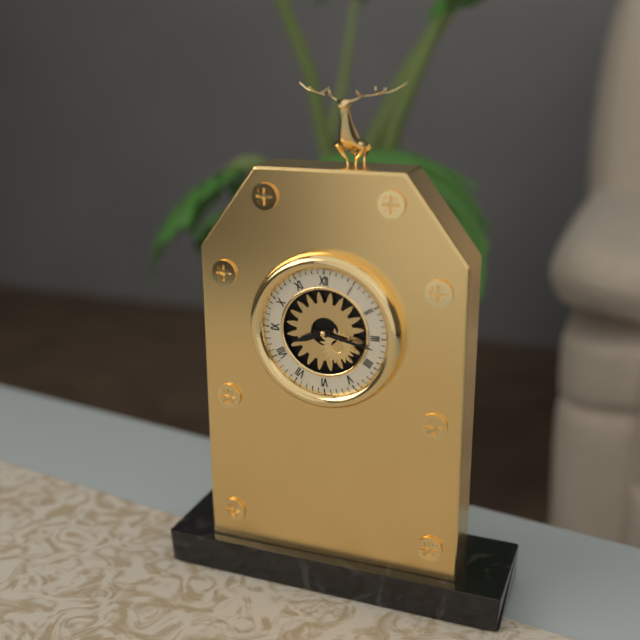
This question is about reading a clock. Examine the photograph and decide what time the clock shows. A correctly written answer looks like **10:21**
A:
**8:17**
